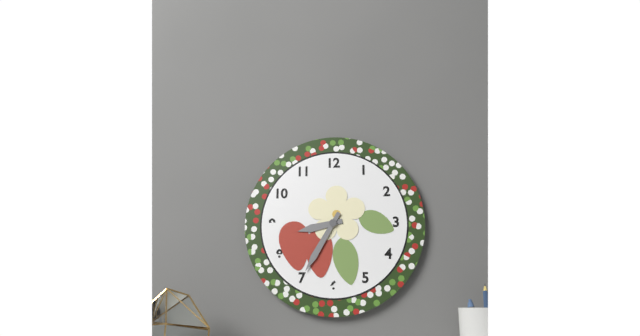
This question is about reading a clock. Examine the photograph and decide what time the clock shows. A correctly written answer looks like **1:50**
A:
**8:35**
